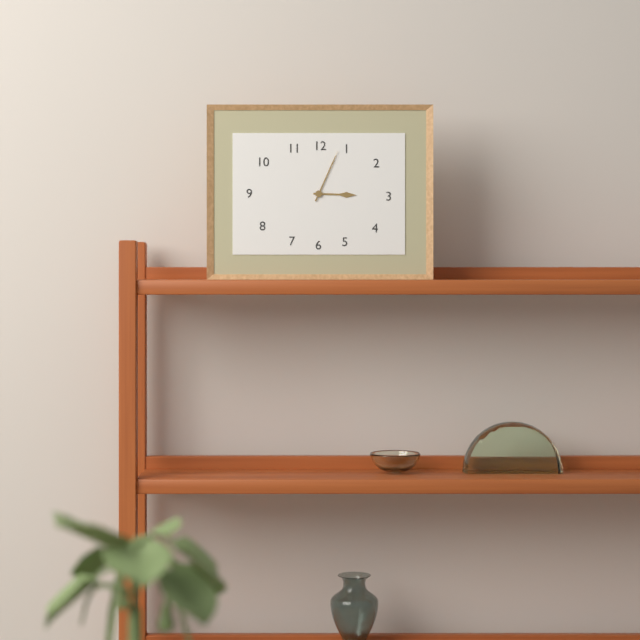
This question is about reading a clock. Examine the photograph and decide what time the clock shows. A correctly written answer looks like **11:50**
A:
**3:04**
